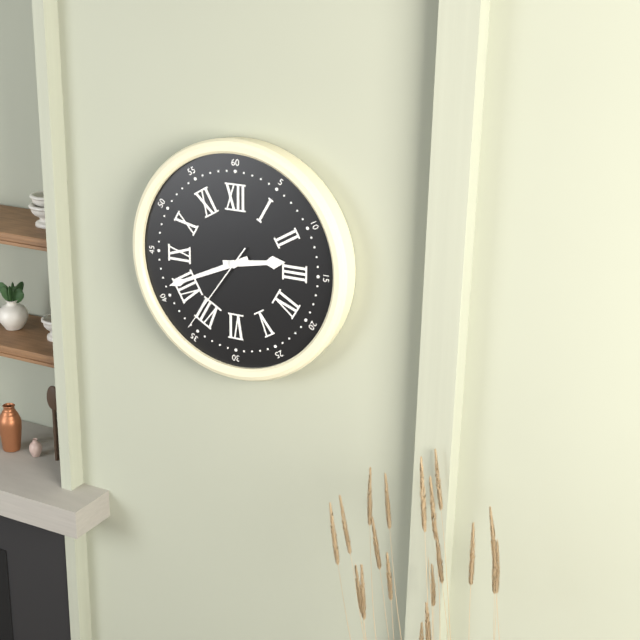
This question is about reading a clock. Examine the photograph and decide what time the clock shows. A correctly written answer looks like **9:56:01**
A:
**2:41:36**
